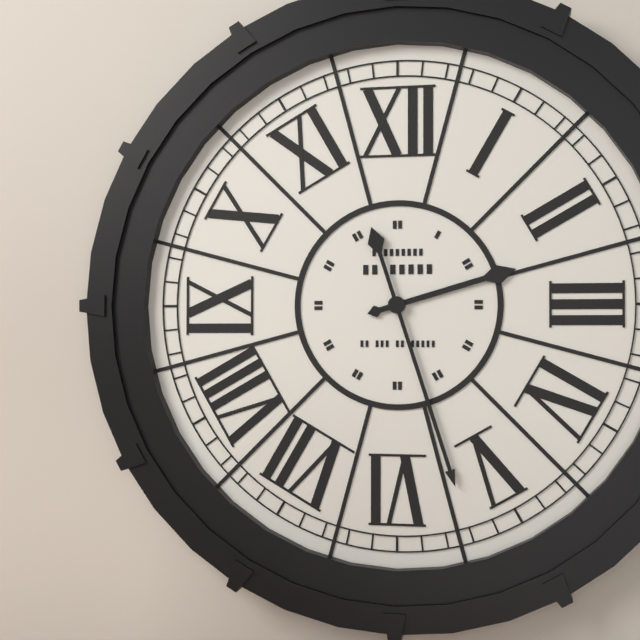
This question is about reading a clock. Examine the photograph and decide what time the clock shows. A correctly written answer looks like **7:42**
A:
**2:27**
